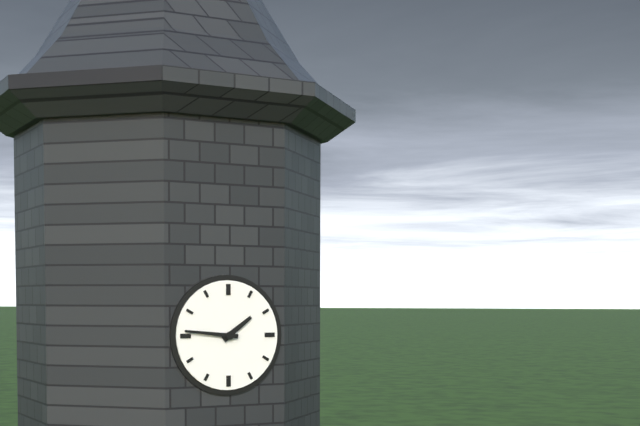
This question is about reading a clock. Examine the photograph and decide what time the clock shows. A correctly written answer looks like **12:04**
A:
**1:46**
